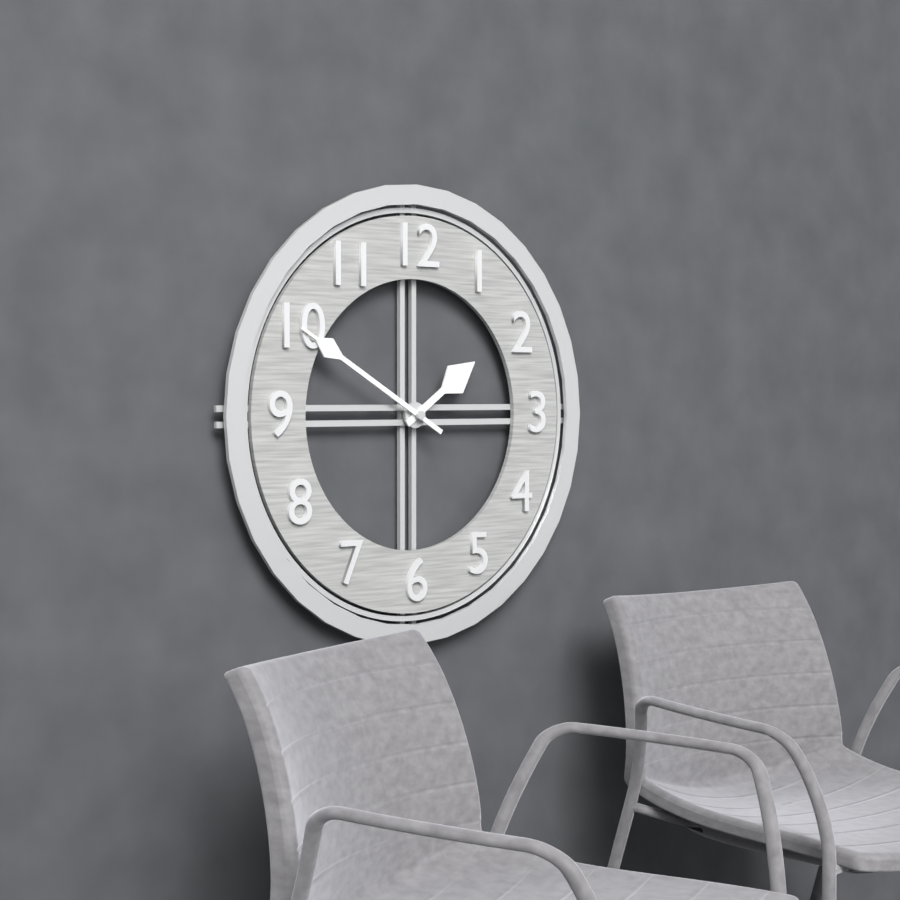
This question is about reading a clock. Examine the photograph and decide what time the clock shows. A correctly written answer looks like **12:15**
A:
**1:50**
